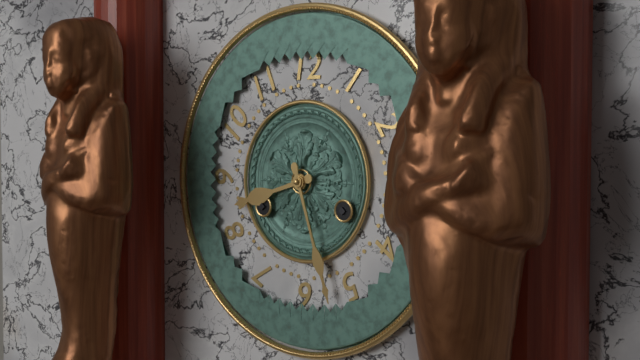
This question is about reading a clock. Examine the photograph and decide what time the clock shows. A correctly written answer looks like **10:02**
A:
**8:27**
